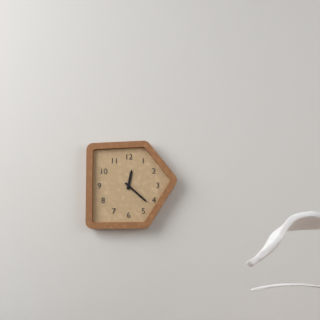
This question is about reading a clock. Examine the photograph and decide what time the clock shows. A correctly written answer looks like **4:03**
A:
**12:22**
